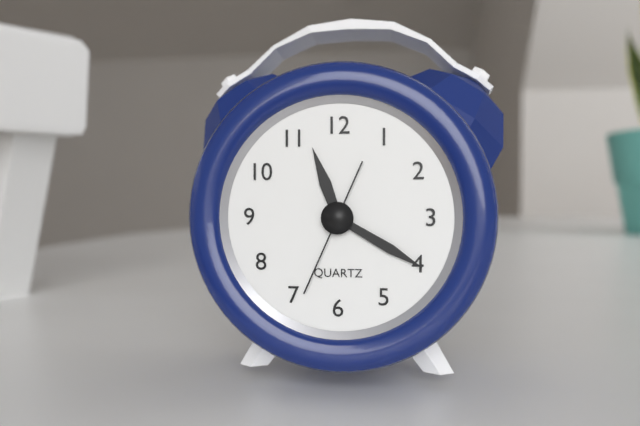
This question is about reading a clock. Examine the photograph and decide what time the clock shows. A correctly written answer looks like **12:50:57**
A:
**11:20:34**
